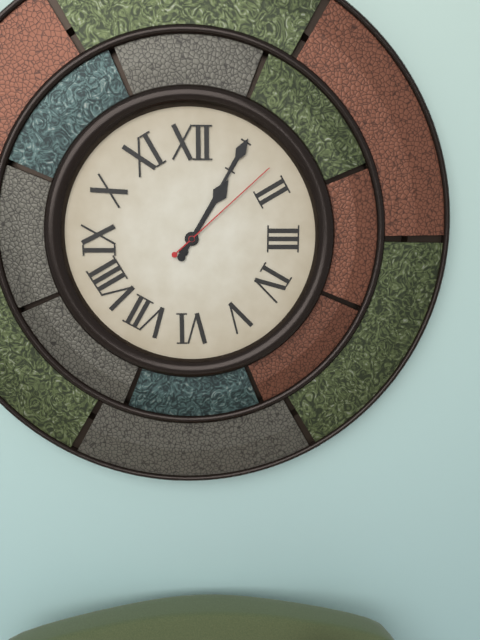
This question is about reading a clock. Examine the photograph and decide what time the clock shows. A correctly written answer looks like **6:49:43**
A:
**1:05:08**
